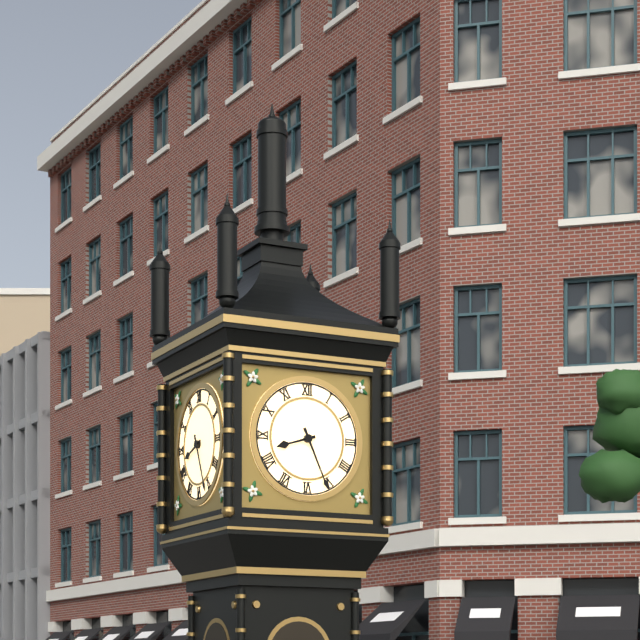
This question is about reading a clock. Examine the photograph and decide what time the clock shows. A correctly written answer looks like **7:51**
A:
**8:26**
